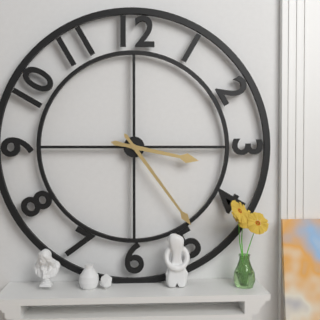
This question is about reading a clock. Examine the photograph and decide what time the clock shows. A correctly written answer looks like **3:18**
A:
**3:24**
